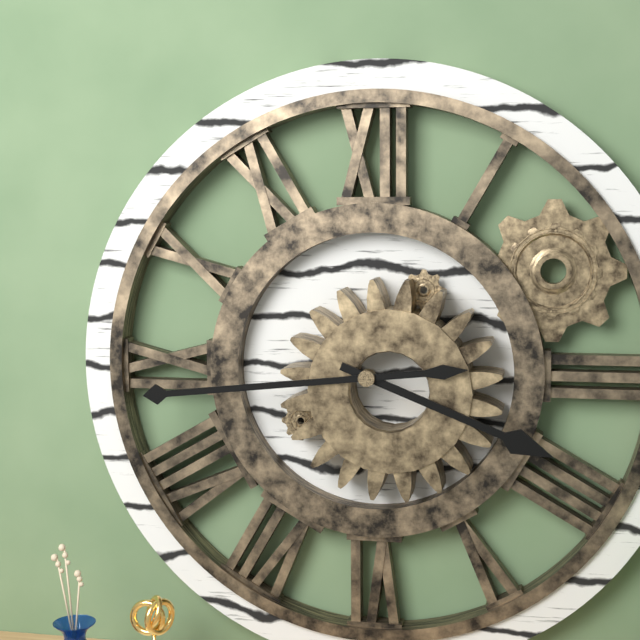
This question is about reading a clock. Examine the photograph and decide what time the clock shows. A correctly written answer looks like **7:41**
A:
**3:44**
